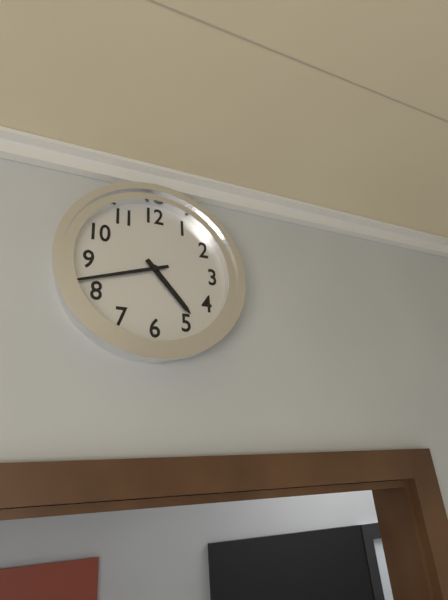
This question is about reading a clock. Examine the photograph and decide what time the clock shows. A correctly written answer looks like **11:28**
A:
**4:42**
